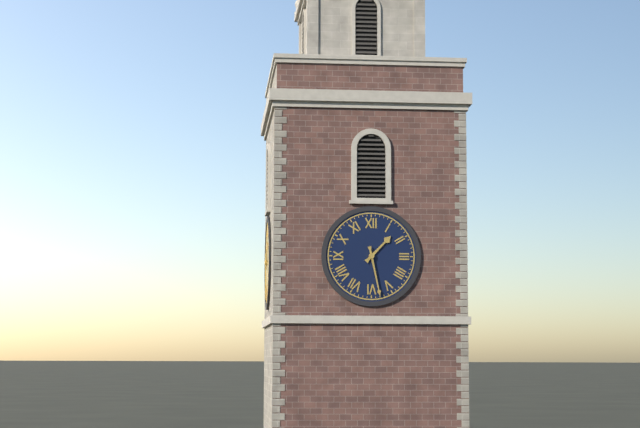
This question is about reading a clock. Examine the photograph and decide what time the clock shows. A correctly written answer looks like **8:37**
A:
**1:28**
